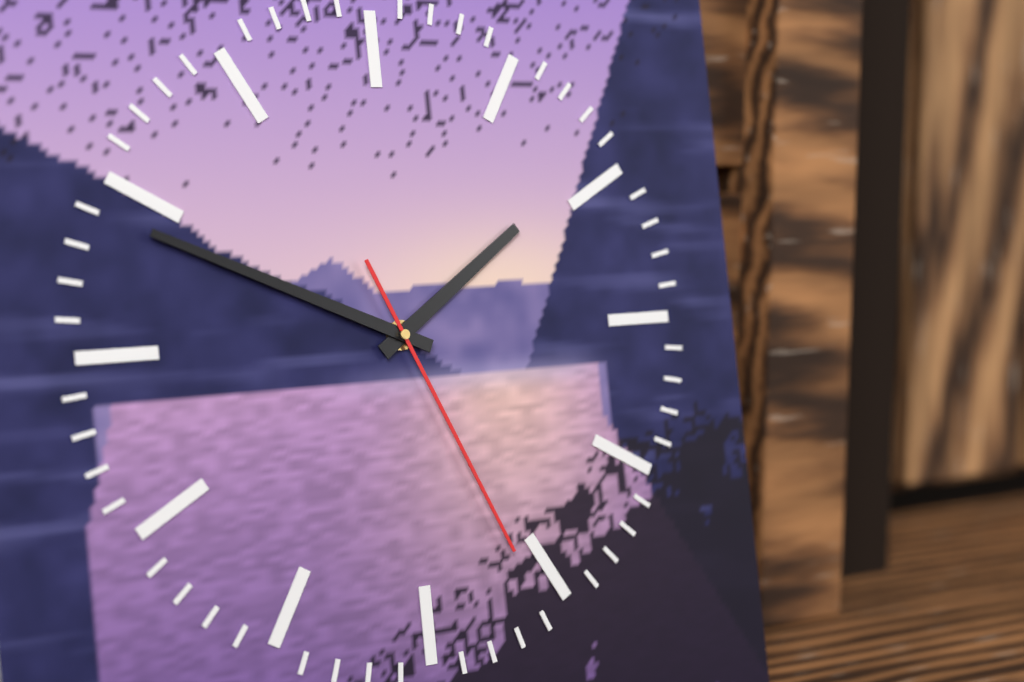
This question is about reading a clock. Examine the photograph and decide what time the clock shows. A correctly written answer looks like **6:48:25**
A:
**1:49:26**
